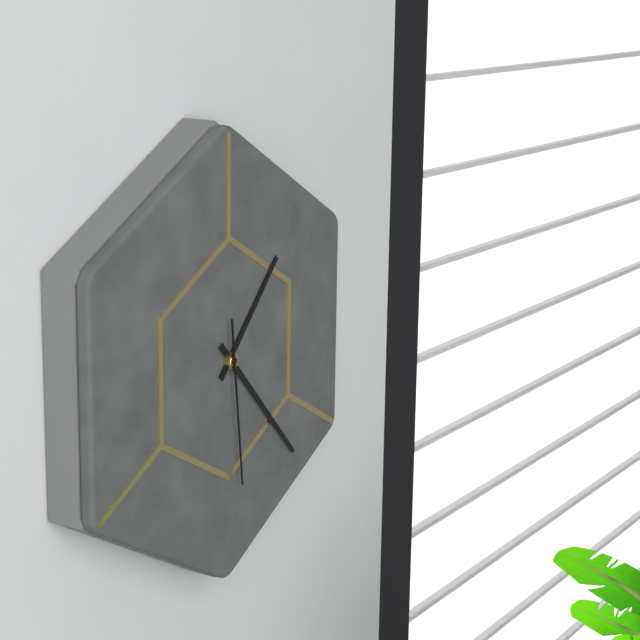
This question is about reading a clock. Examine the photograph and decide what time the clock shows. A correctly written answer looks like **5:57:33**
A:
**1:23:29**
